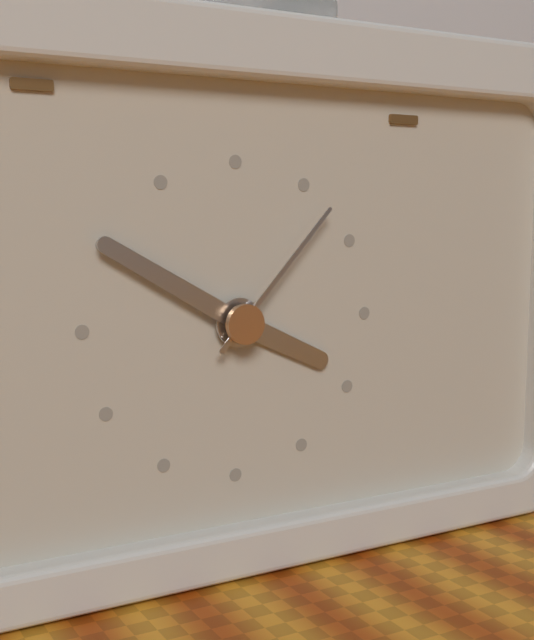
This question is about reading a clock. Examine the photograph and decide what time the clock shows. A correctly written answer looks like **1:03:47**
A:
**3:50:07**
